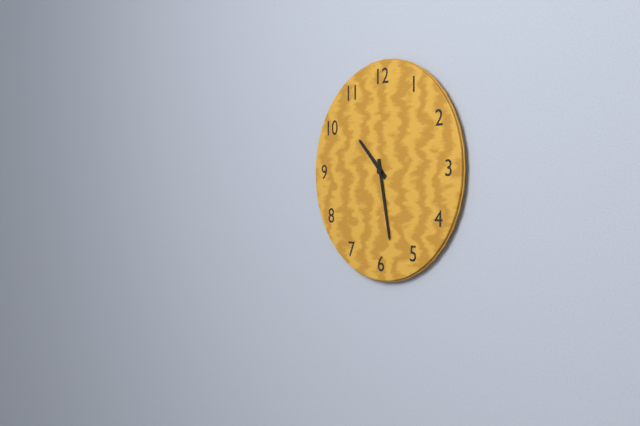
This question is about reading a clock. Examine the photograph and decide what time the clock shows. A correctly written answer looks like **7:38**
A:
**10:28**
